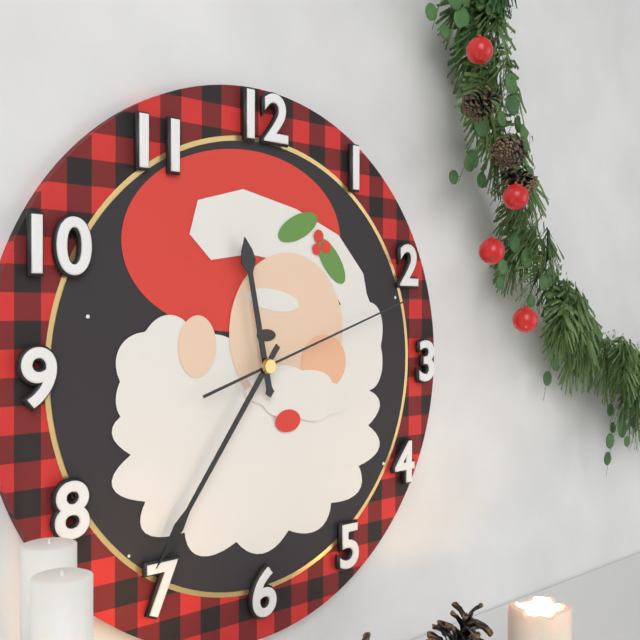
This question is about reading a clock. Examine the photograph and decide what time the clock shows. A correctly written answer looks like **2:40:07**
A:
**11:36:12**
